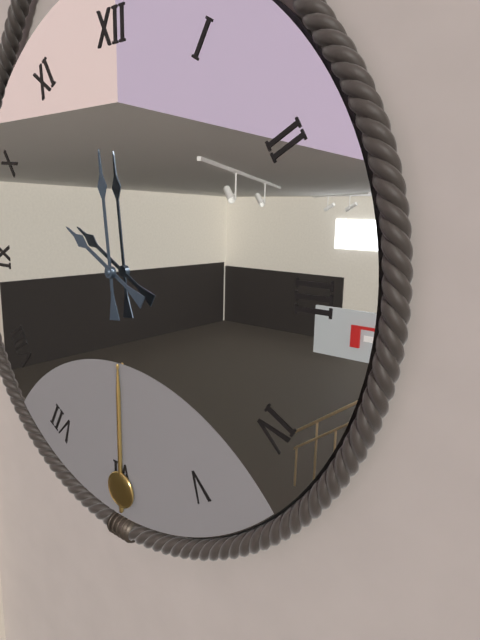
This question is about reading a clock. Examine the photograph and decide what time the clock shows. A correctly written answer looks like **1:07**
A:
**9:59**
